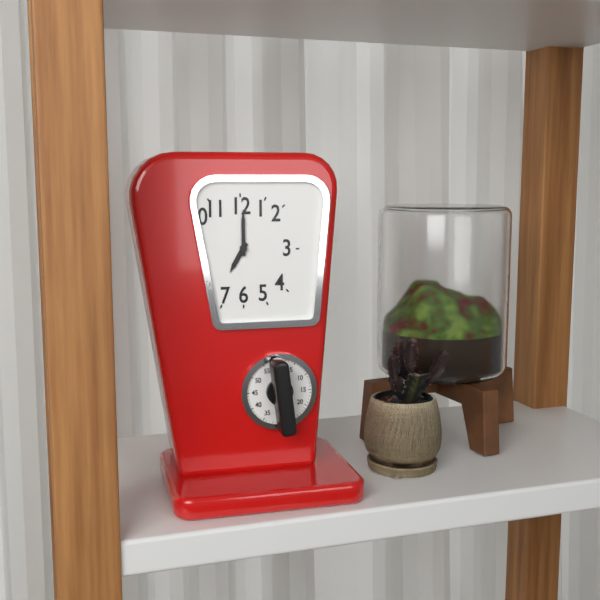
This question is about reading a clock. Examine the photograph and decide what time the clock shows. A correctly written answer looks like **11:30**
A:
**7:00**
